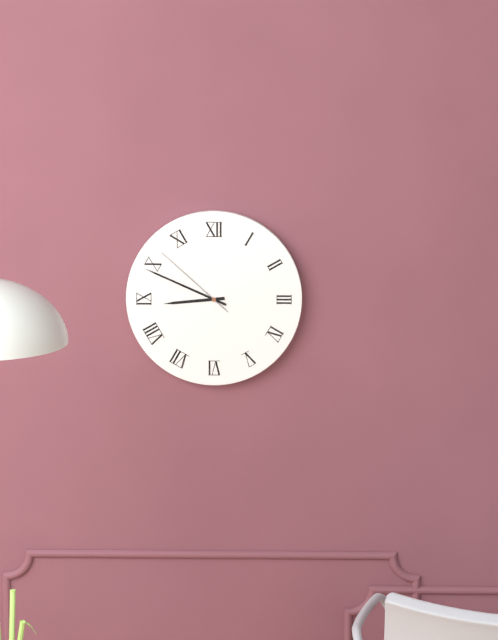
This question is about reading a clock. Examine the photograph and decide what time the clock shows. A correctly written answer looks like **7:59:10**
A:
**8:49:52**
